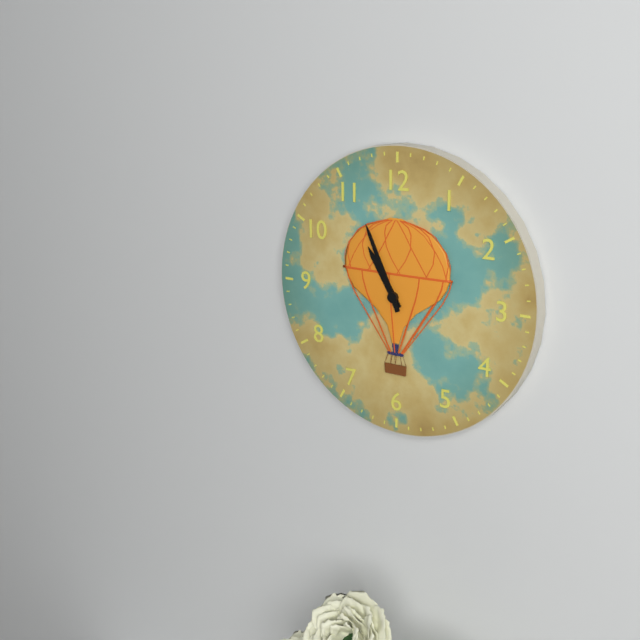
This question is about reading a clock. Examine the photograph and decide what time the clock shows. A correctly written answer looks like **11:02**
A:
**10:56**
